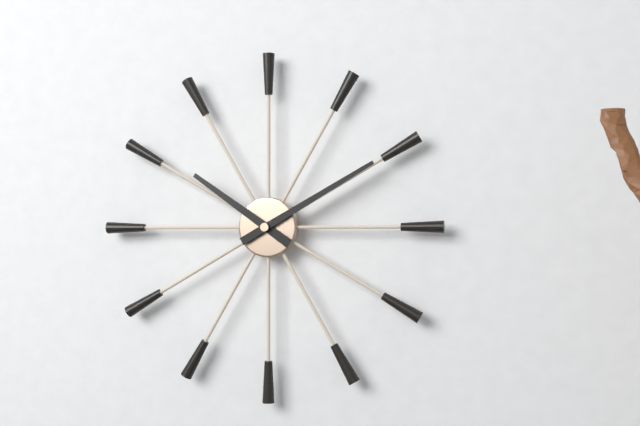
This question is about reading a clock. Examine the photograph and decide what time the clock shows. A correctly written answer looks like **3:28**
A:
**10:10**
